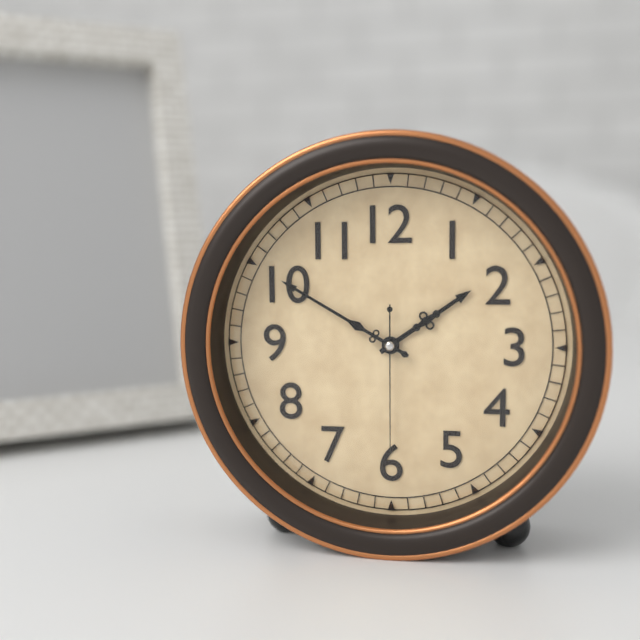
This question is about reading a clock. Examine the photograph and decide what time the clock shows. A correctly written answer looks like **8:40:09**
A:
**1:50:30**
